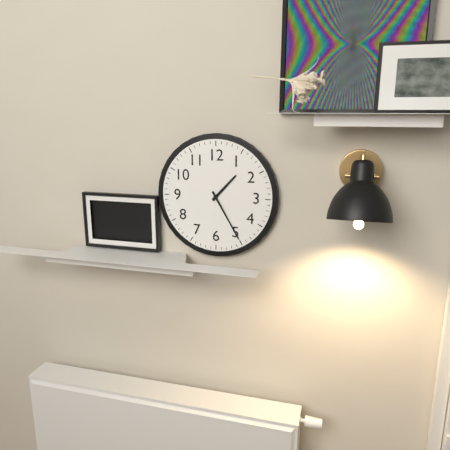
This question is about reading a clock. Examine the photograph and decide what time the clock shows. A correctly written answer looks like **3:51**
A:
**1:25**
